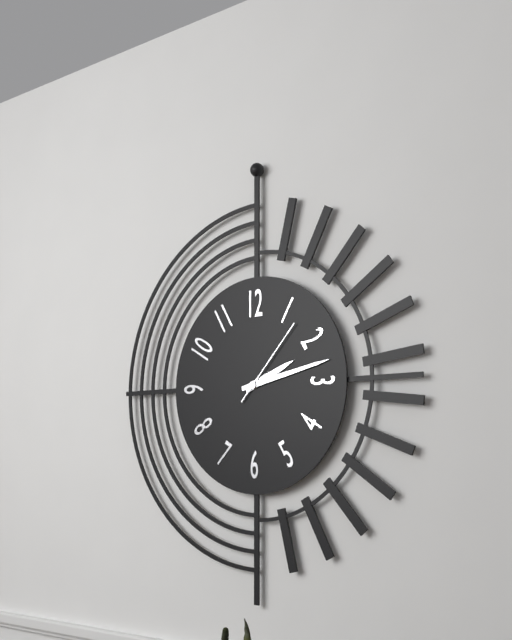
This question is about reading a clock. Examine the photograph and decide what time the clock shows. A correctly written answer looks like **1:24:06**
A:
**2:13:07**
